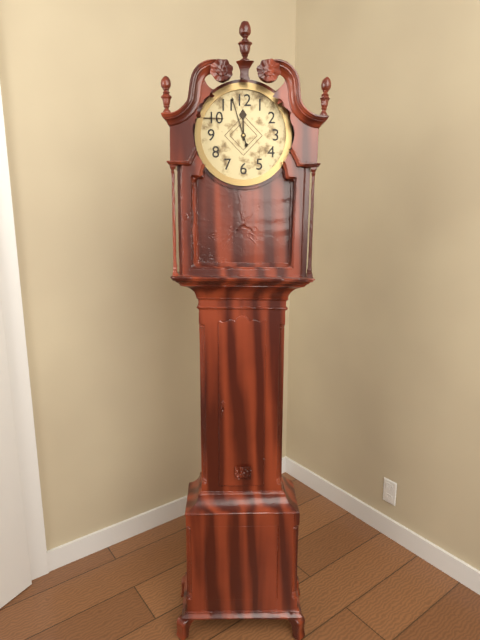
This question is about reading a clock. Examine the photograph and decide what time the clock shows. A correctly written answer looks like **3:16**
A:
**11:57**
